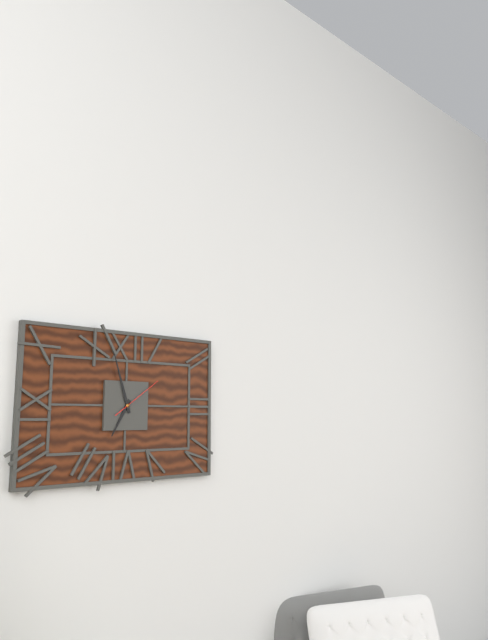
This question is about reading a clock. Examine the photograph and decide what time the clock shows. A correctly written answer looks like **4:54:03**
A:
**6:57:09**
